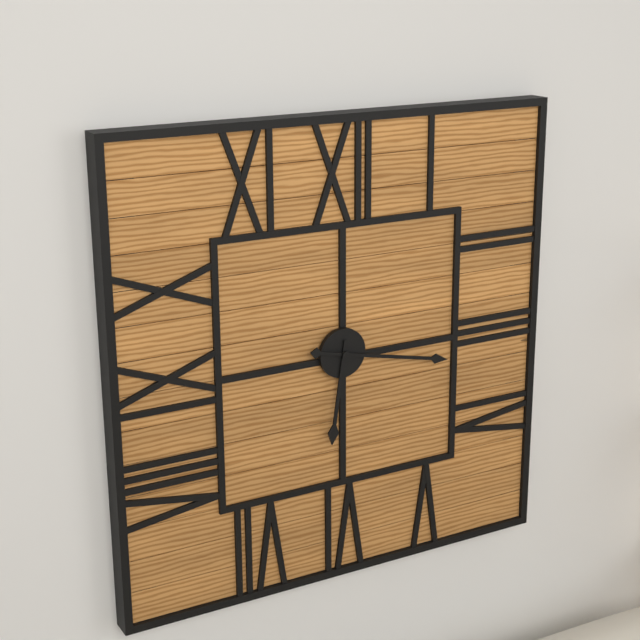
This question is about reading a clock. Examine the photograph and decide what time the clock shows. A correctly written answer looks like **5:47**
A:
**6:17**
